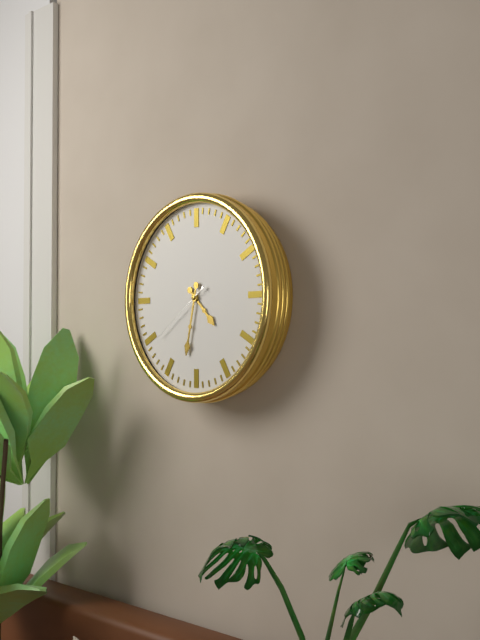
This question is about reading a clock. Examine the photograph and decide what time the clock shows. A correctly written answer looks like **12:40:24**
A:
**4:32:39**
